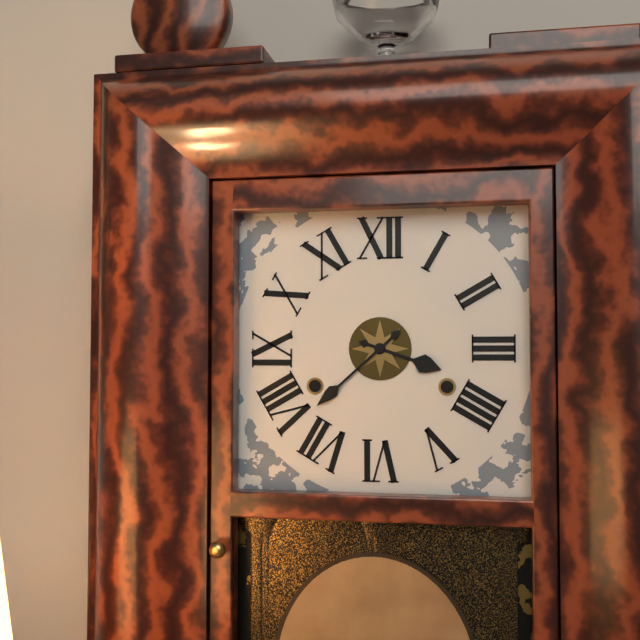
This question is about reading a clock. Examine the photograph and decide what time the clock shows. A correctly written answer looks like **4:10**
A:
**3:38**
